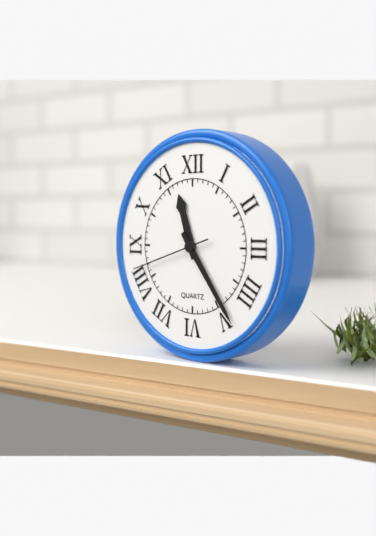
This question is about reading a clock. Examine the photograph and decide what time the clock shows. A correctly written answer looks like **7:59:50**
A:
**11:24:42**
